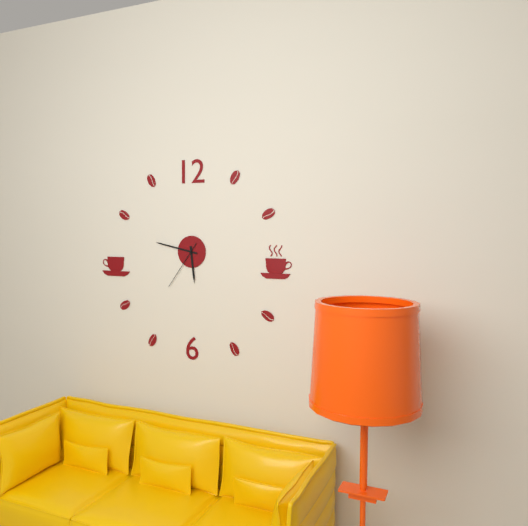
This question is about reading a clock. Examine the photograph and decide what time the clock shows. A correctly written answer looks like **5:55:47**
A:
**5:47:36**
